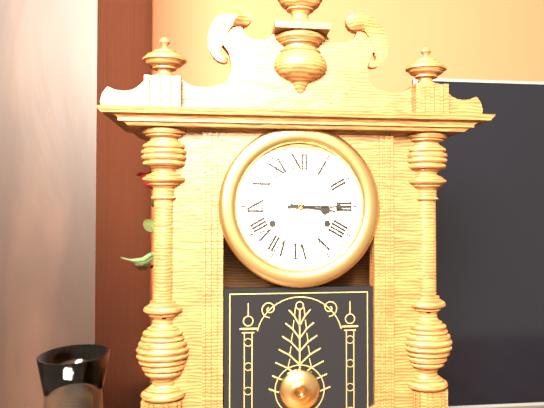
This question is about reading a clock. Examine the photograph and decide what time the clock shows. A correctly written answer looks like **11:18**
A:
**3:15**
